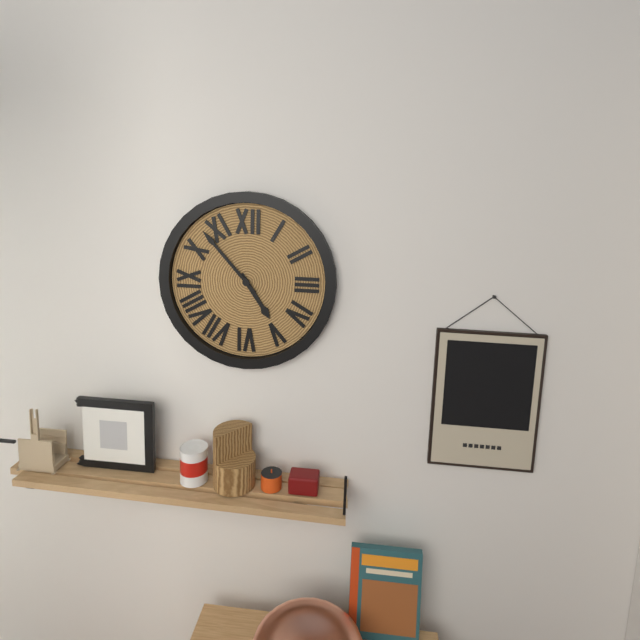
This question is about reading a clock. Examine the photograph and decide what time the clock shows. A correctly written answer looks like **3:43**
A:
**4:53**
